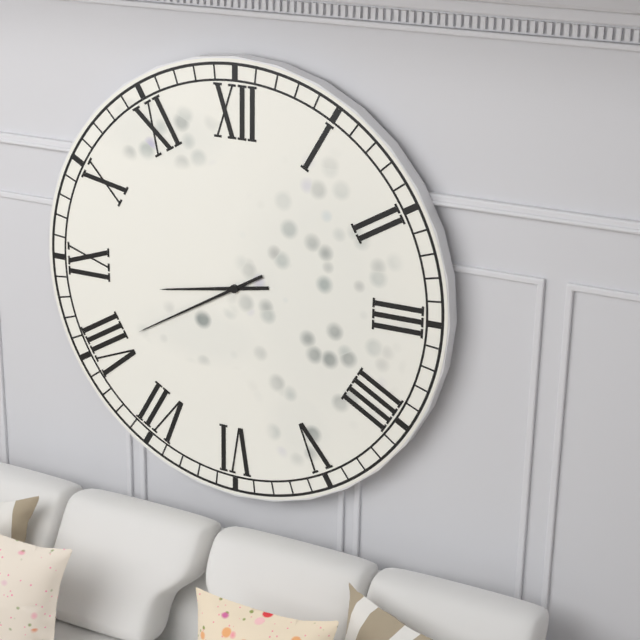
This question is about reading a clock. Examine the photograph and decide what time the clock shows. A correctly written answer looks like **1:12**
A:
**8:40**
